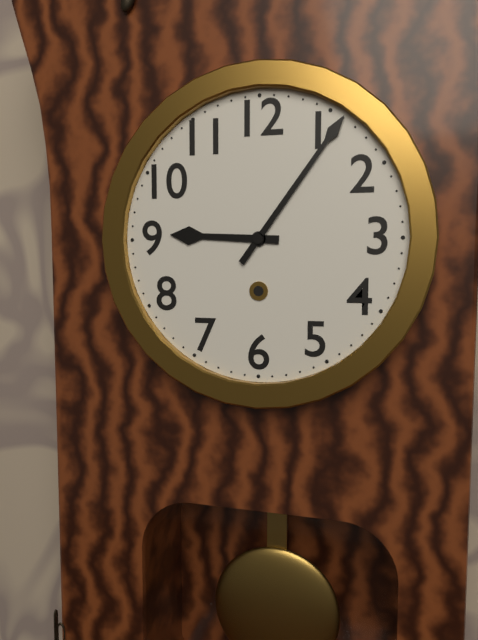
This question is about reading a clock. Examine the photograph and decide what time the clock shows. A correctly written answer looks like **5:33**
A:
**9:06**
